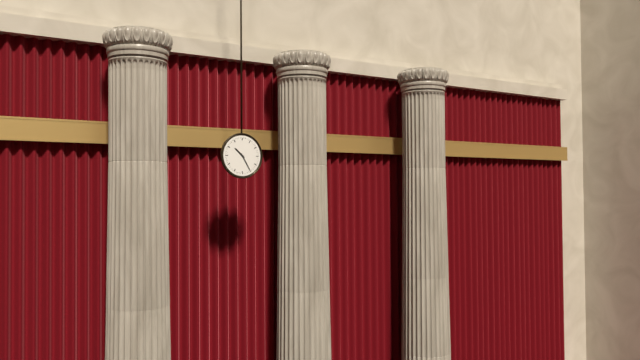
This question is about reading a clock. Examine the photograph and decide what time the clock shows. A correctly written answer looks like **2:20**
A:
**10:25**
